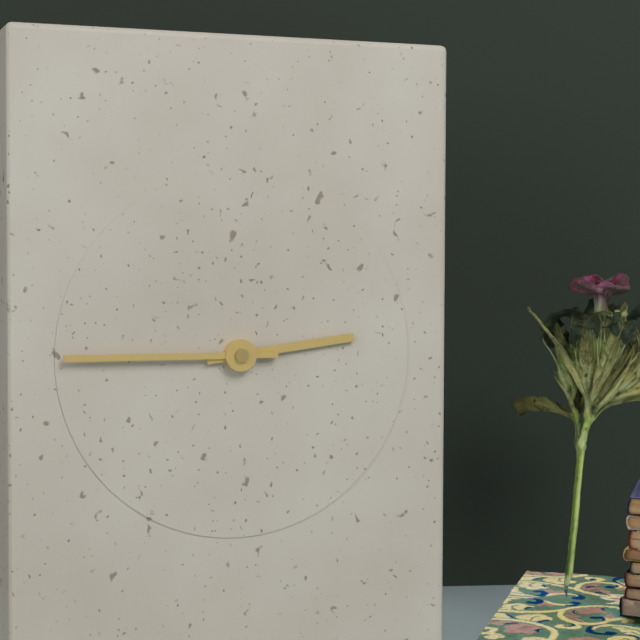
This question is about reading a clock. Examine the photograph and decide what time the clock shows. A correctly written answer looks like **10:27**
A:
**2:45**
